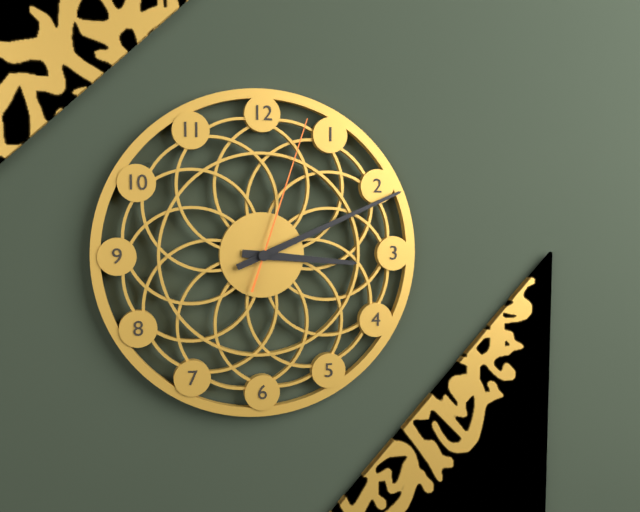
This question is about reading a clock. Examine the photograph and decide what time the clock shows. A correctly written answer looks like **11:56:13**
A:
**3:11:03**
